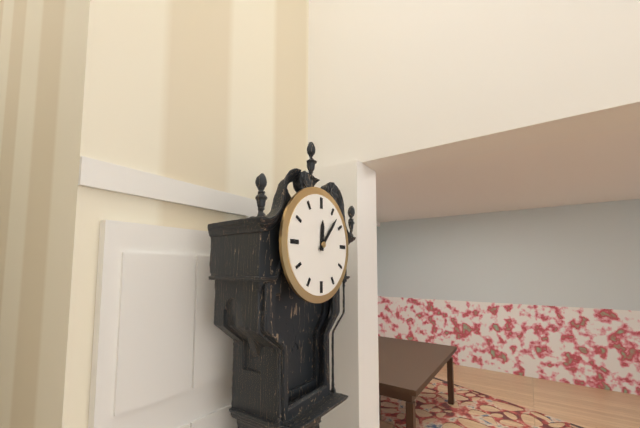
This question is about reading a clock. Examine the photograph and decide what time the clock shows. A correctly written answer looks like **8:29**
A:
**12:07**
